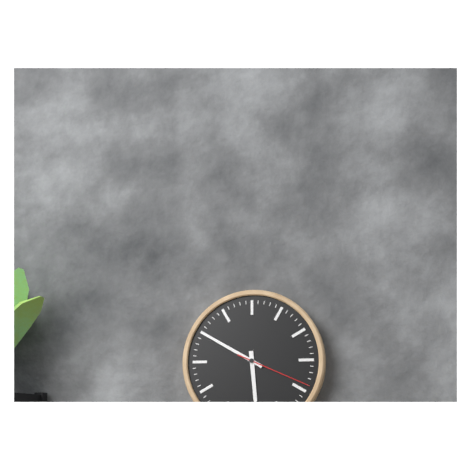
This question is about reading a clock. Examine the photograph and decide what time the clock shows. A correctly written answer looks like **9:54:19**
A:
**5:50:19**
